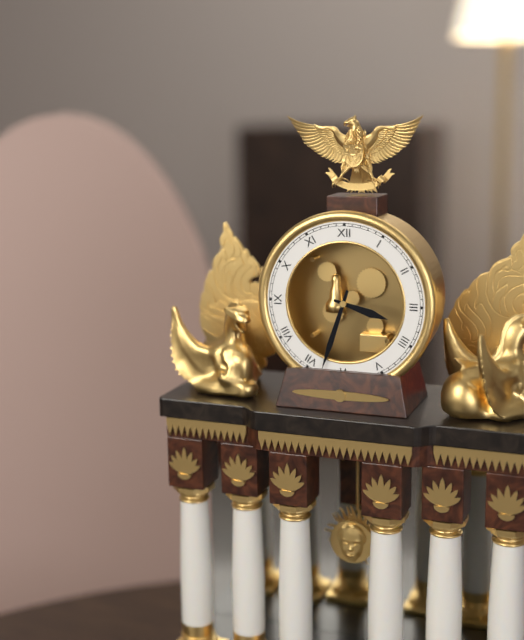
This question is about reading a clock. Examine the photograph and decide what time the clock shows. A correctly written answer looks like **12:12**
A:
**3:33**
